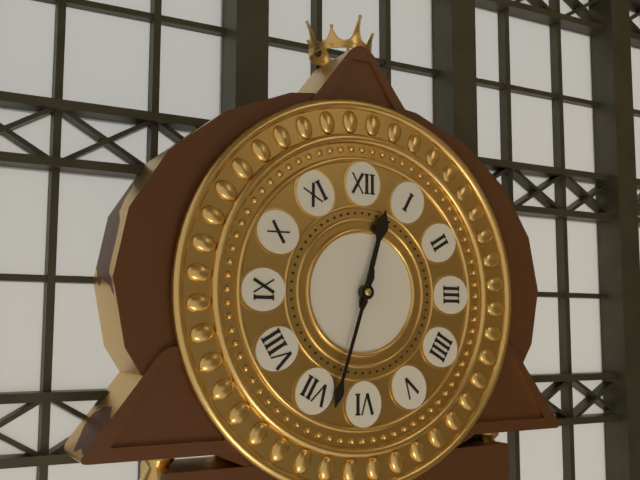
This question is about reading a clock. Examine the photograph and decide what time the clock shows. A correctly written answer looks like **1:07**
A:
**12:33**
